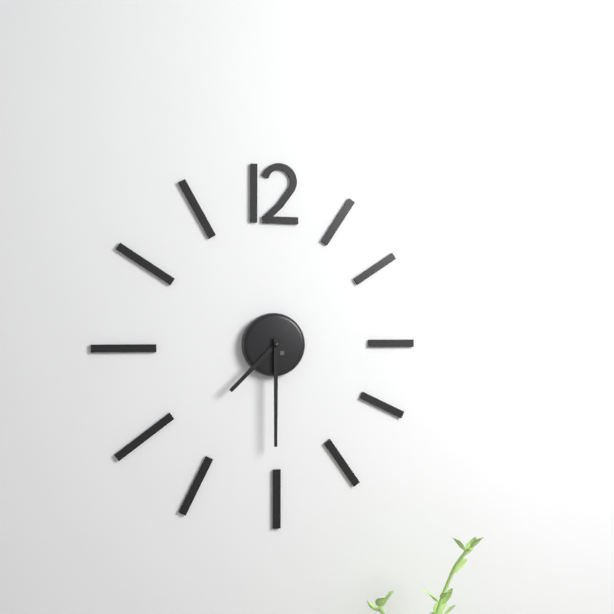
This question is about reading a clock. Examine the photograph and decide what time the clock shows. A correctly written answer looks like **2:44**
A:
**7:30**
